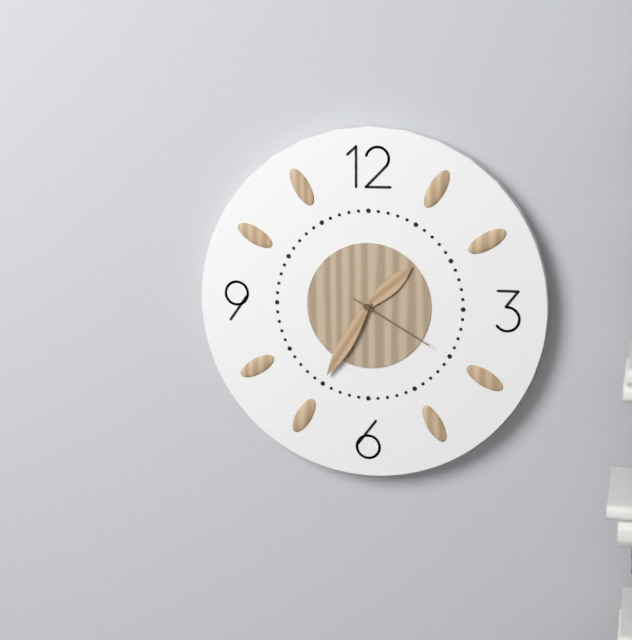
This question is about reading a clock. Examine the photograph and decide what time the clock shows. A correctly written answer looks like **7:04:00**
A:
**1:35:20**
